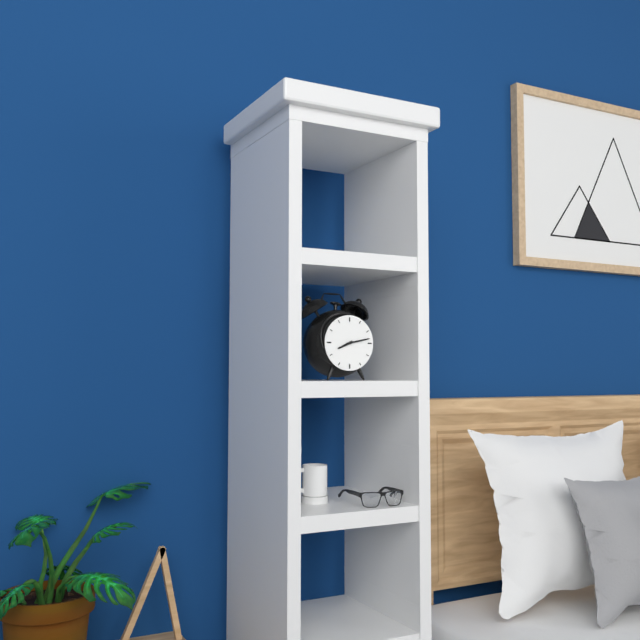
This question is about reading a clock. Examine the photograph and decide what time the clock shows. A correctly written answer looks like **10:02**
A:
**8:13**
